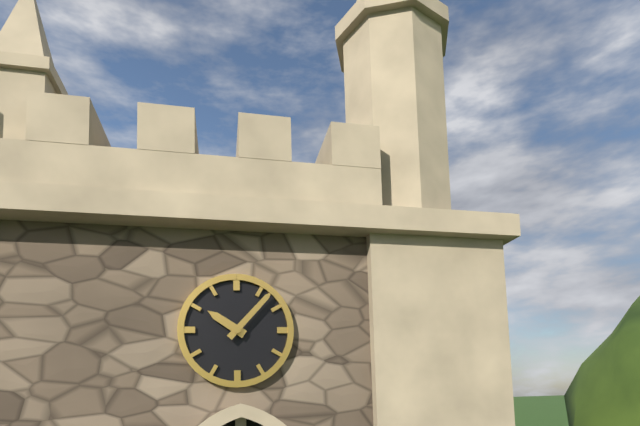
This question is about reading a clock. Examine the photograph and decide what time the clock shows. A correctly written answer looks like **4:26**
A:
**10:07**
